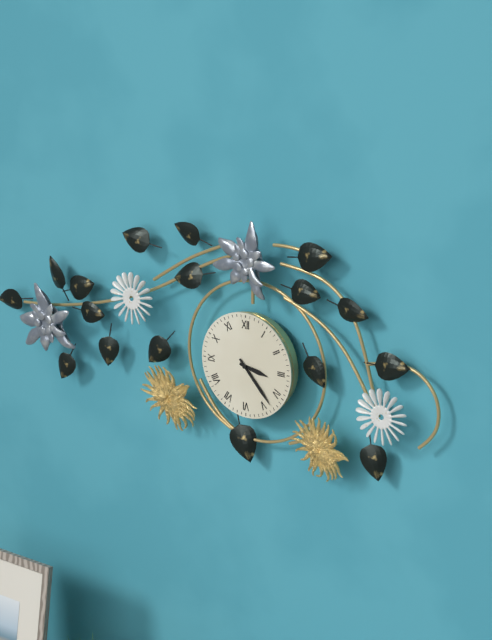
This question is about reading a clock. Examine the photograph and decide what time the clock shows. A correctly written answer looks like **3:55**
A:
**3:23**
